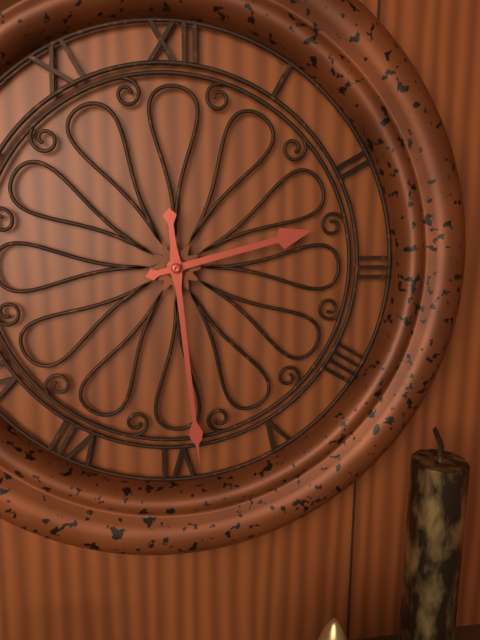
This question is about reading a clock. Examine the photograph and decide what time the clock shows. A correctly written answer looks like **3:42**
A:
**2:29**
